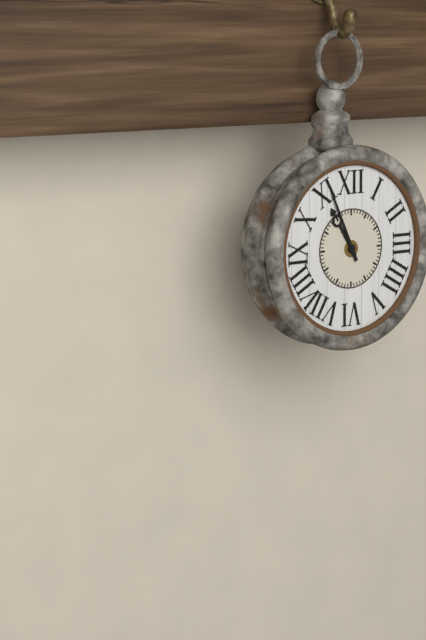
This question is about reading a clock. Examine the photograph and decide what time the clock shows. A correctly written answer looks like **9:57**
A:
**10:56**
